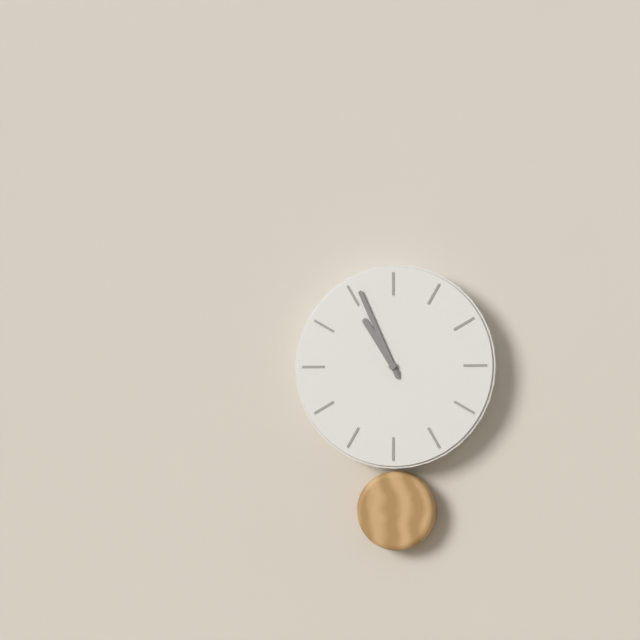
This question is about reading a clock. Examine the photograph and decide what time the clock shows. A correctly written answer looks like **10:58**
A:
**10:56**
